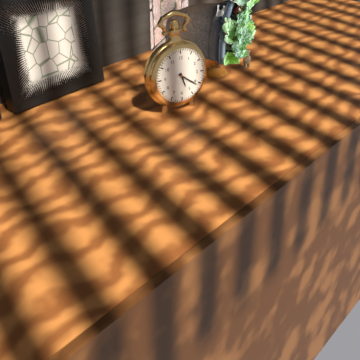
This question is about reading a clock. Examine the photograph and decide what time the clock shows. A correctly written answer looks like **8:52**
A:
**5:21**
